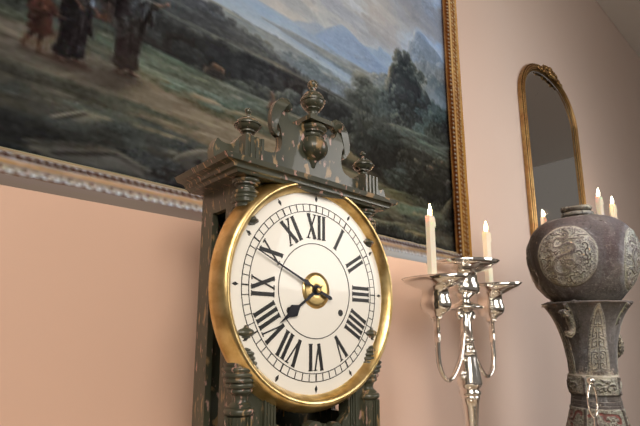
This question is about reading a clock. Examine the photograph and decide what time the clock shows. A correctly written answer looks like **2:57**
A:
**7:49**
